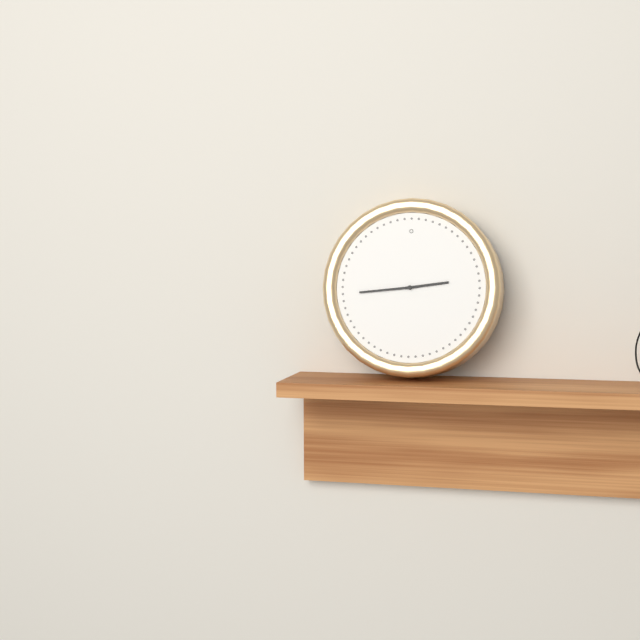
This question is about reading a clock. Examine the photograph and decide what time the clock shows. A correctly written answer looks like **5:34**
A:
**2:44**
